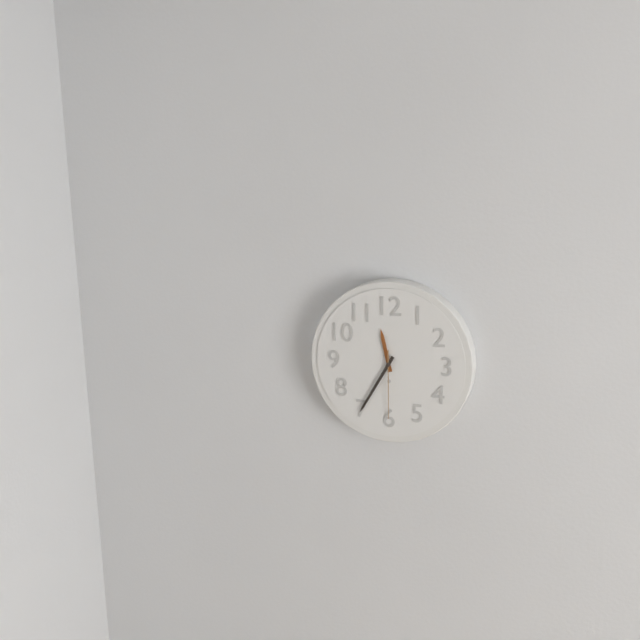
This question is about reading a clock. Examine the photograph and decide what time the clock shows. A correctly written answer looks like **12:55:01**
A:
**11:35:30**
